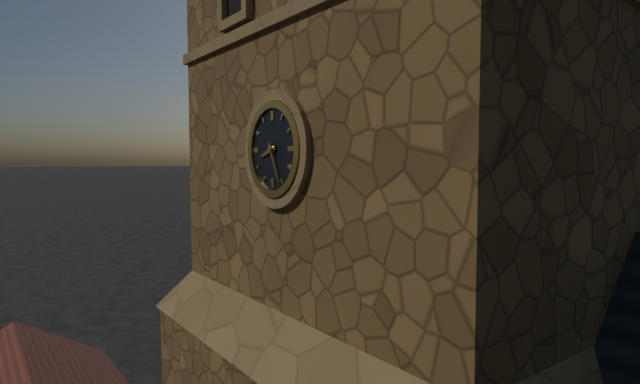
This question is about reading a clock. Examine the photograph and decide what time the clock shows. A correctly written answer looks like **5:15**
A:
**8:26**
